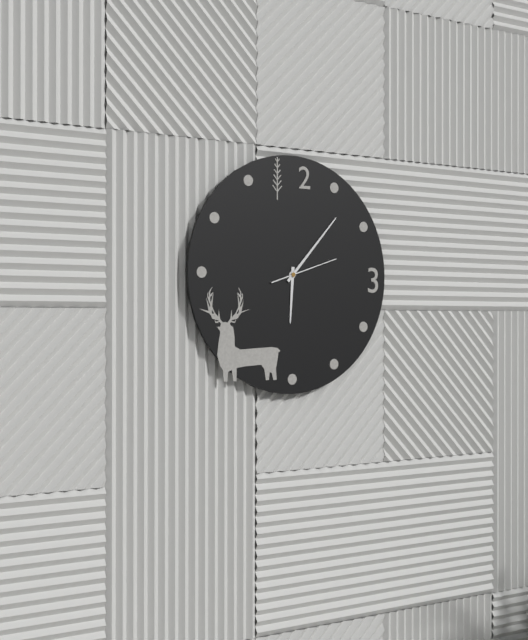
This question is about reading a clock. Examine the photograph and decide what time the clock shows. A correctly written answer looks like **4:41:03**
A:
**6:07:12**
